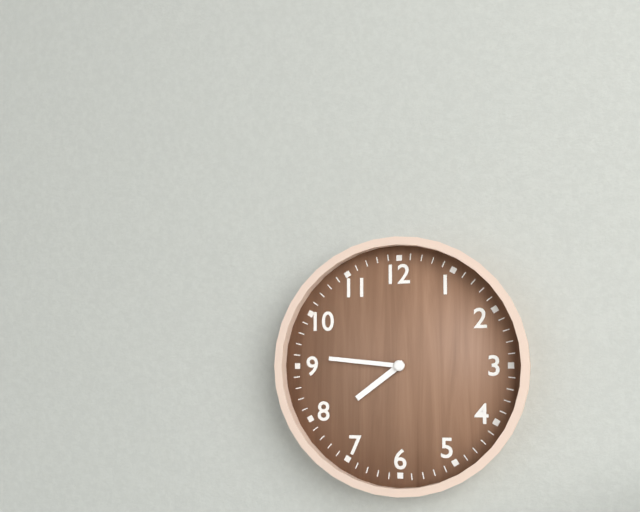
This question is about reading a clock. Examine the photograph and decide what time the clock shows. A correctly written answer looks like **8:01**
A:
**7:46**
